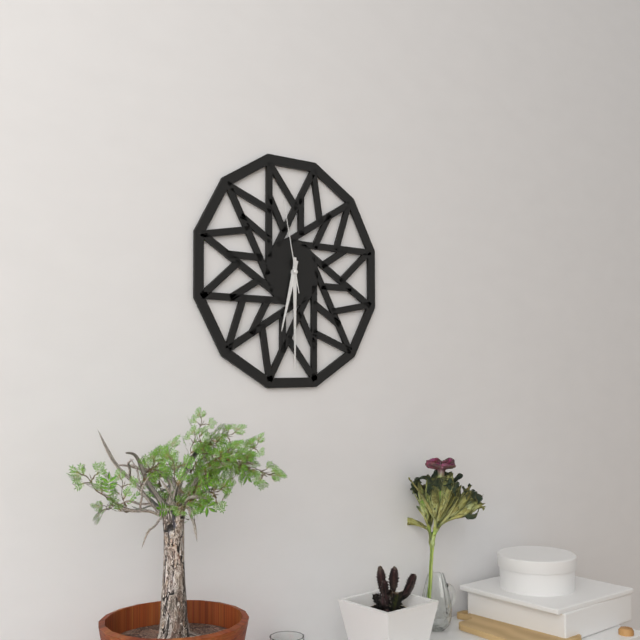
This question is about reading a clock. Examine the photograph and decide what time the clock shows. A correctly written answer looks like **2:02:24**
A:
**6:30:58**
